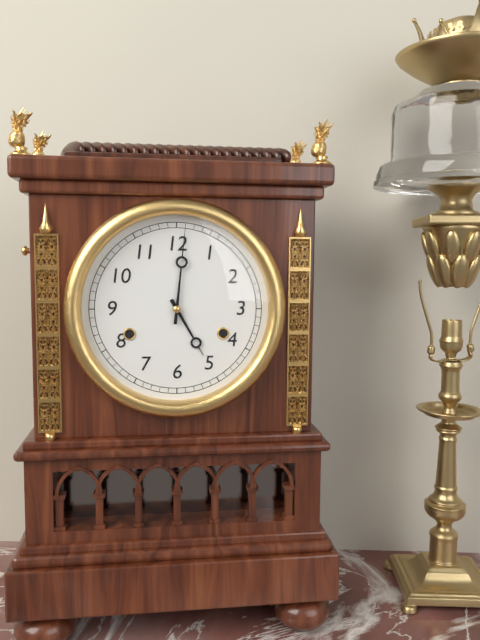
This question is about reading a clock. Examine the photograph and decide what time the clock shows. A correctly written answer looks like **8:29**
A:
**5:01**
